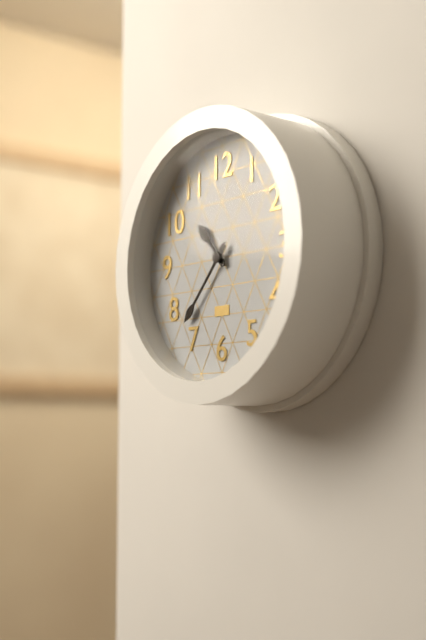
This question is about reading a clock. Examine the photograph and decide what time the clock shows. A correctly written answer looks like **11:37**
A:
**10:37**
